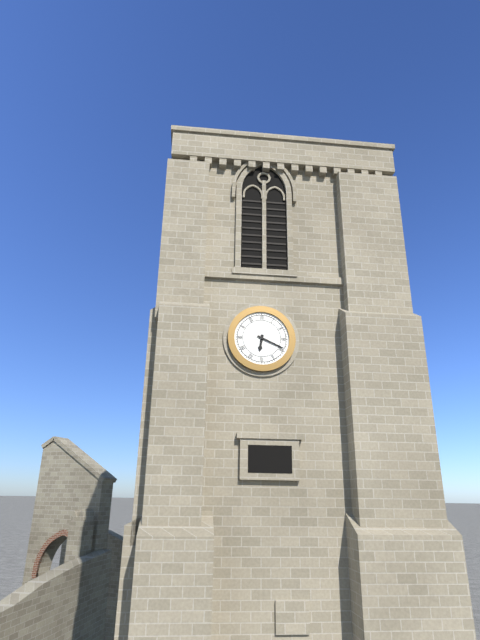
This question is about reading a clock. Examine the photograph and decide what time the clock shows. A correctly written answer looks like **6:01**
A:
**6:19**
